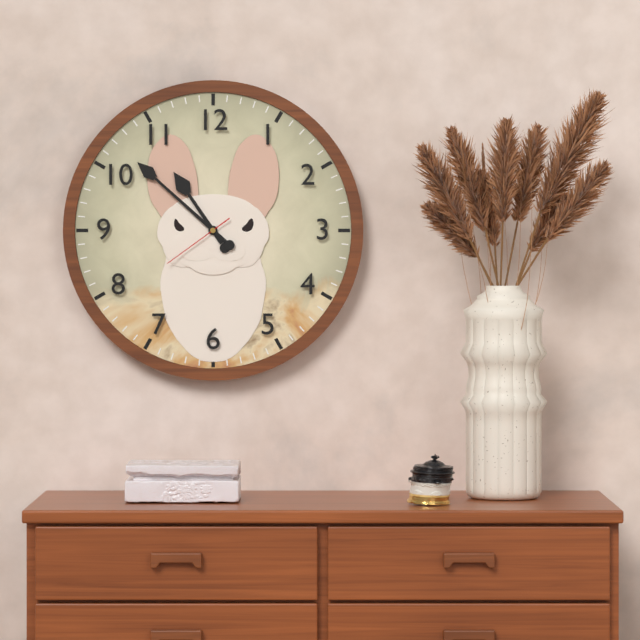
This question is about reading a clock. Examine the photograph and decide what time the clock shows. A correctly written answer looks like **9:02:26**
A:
**10:52:39**
